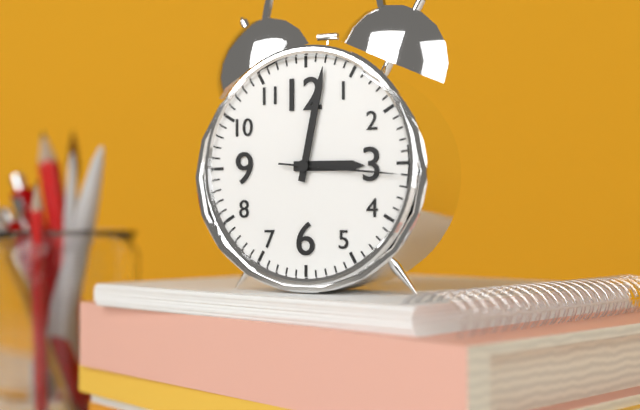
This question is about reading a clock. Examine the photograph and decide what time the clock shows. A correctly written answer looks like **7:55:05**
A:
**3:02:16**
